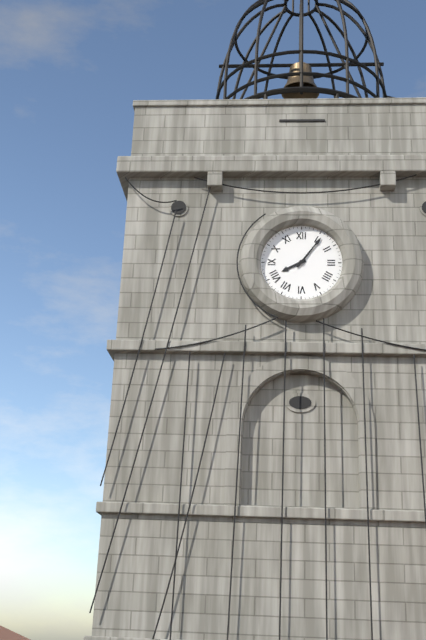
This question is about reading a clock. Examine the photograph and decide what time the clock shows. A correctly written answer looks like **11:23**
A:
**8:06**
